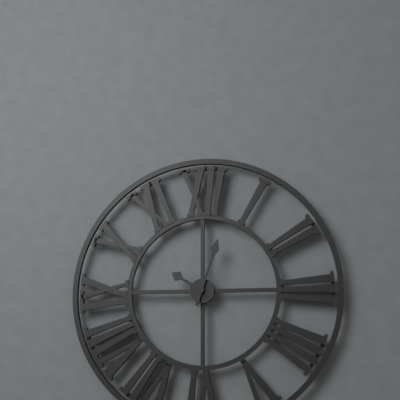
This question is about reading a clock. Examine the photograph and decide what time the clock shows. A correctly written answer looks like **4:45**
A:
**10:03**
